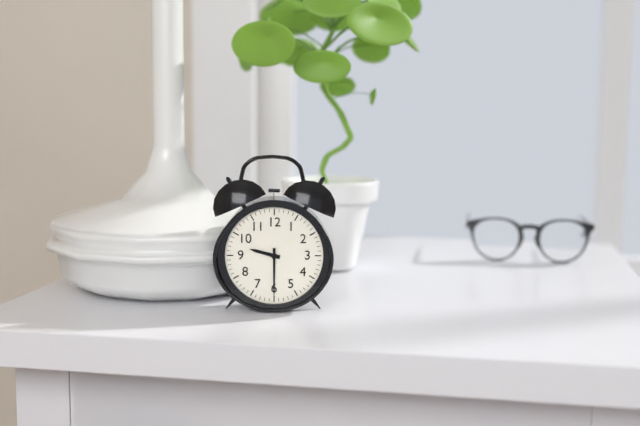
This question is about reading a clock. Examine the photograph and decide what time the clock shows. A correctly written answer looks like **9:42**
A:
**9:30**
